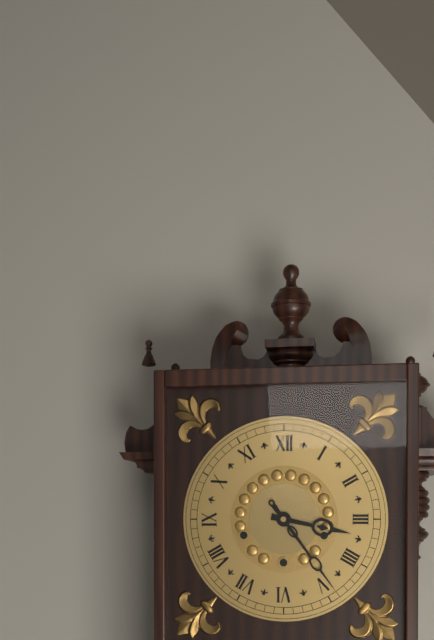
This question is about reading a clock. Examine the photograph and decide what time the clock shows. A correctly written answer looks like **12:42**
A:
**3:24**
